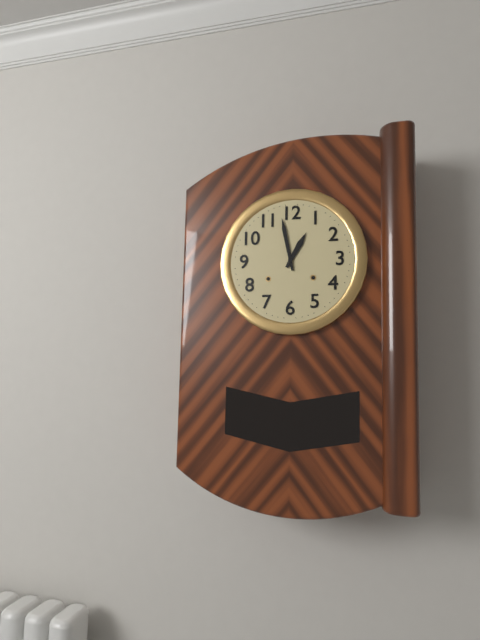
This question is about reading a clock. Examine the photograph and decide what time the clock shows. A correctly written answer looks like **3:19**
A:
**12:58**
